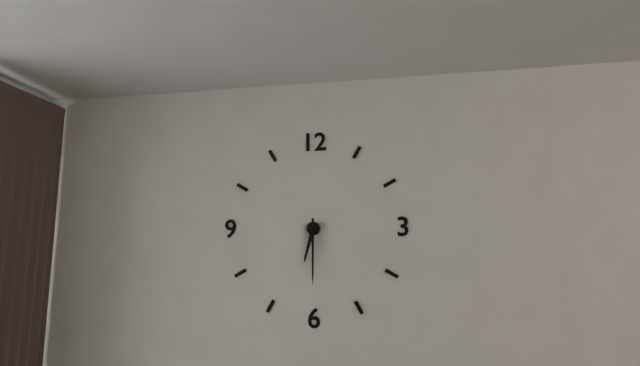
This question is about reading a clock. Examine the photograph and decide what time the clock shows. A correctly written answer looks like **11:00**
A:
**6:30**
